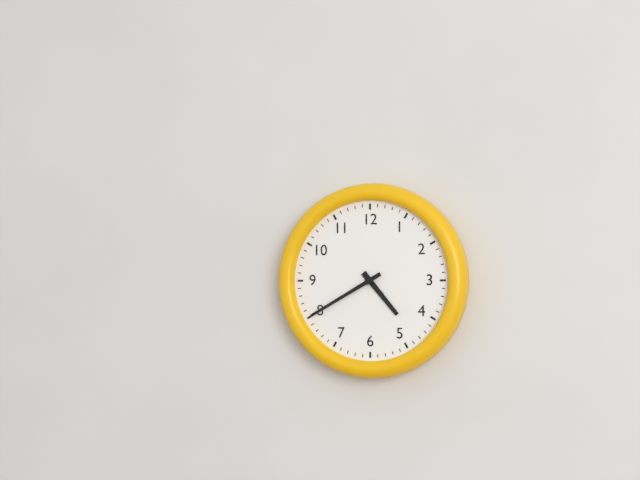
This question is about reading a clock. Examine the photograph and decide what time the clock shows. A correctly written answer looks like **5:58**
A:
**4:40**
